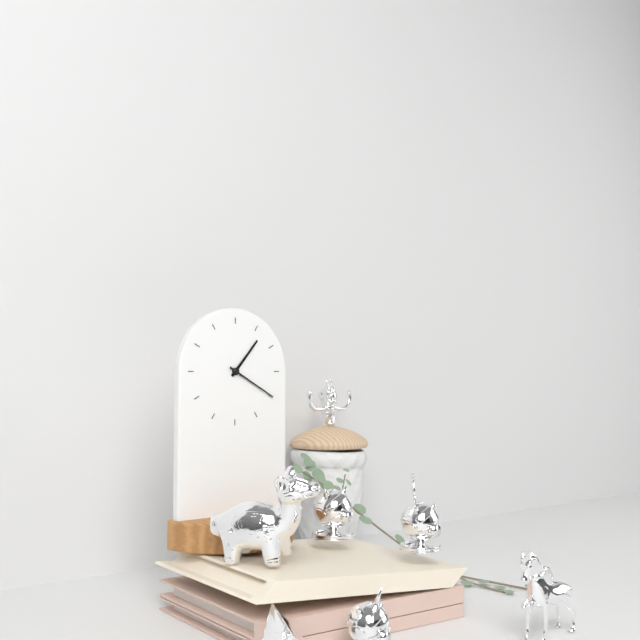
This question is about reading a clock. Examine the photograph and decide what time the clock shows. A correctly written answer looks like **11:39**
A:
**1:20**
